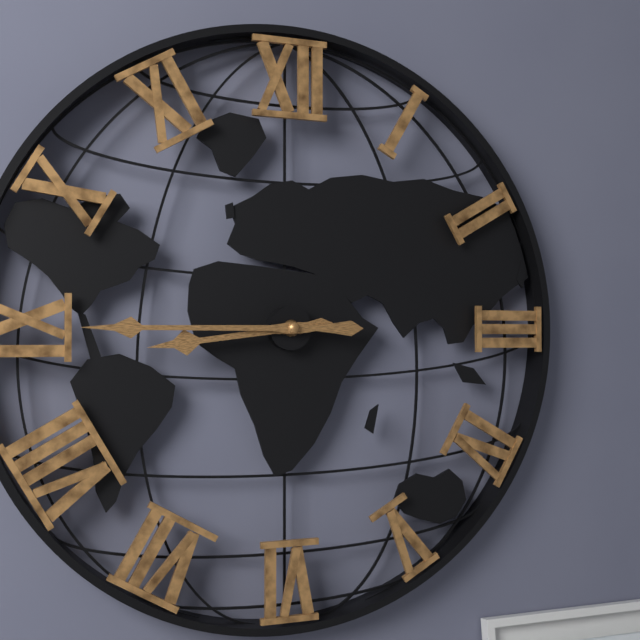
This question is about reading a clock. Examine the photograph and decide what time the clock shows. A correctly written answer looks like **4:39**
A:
**8:45**
